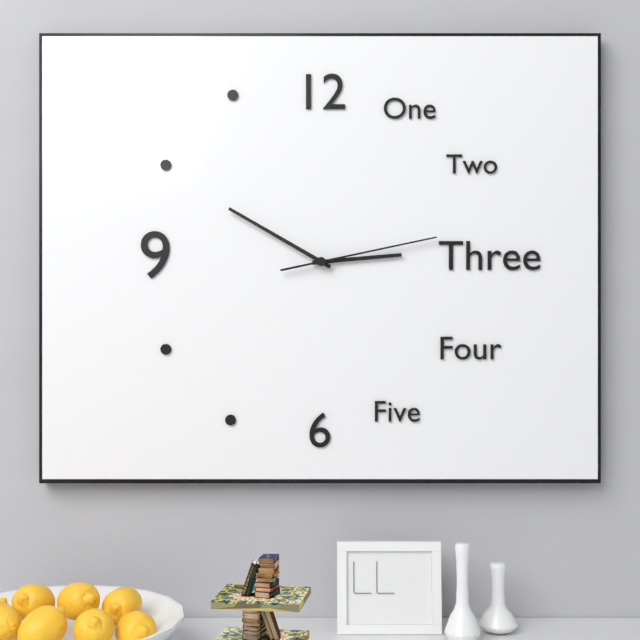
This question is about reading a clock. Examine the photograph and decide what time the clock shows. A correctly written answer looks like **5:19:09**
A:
**2:50:13**
